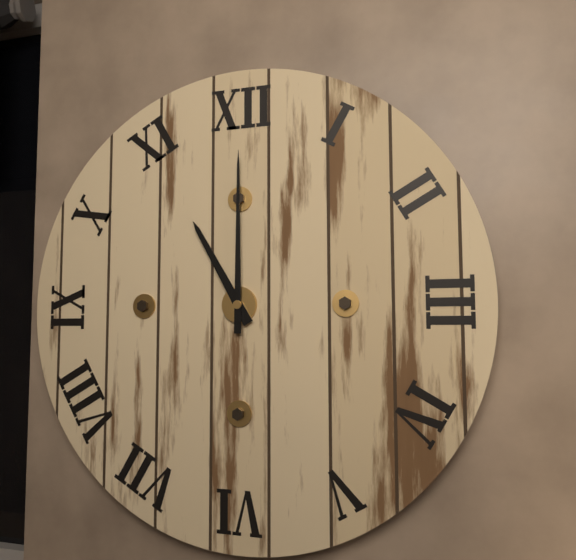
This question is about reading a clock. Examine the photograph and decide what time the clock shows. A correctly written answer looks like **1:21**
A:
**11:00**
